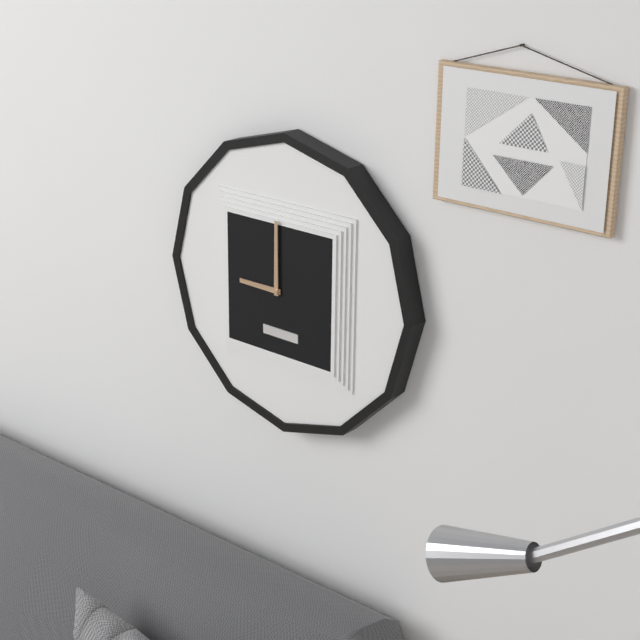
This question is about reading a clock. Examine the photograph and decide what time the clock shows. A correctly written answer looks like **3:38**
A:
**9:00**
